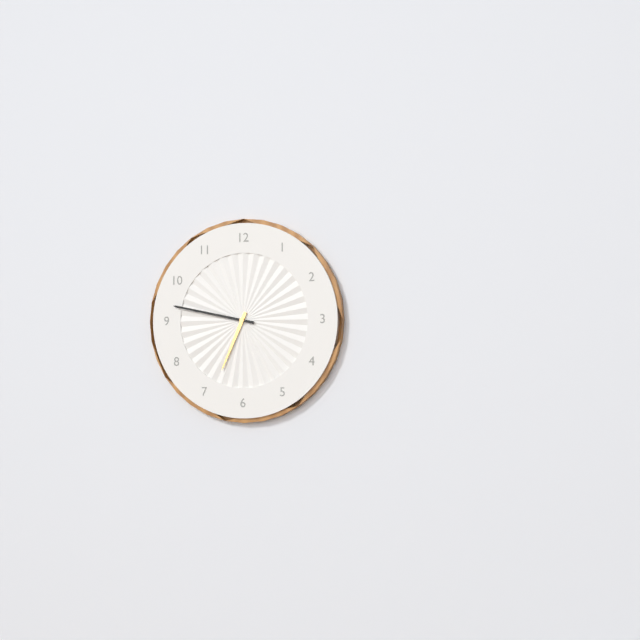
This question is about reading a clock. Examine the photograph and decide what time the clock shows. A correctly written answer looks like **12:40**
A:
**6:47**
